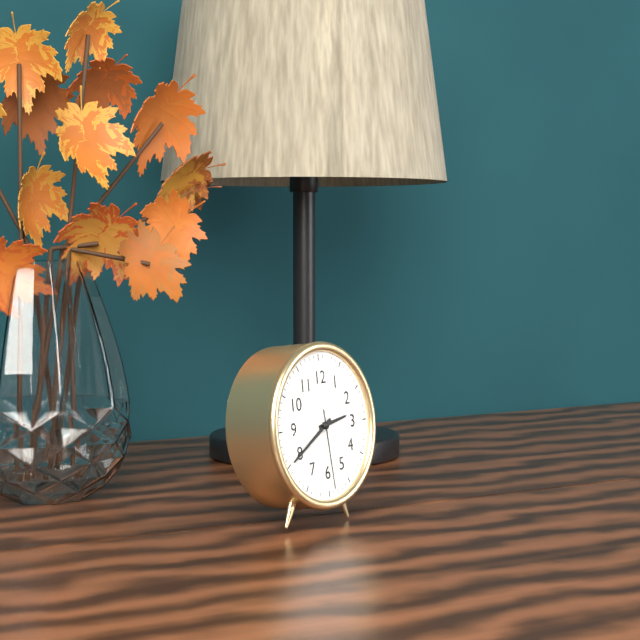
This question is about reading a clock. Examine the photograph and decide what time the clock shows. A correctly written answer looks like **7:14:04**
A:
**2:40:29**
